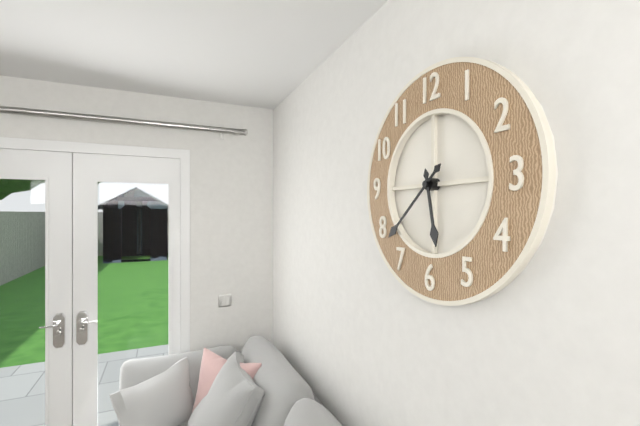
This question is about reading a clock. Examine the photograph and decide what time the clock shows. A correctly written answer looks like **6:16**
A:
**5:38**
